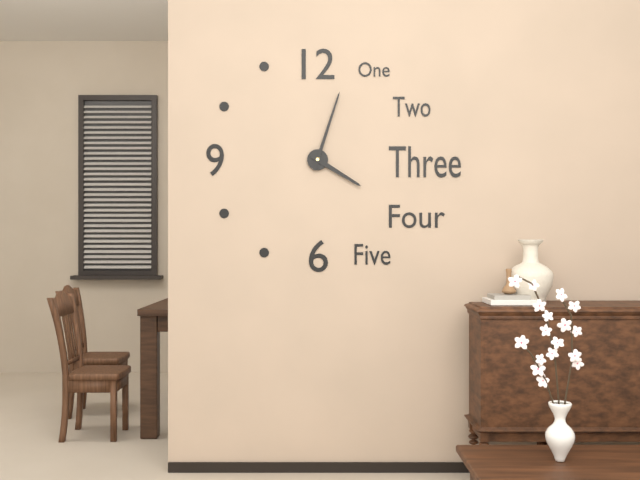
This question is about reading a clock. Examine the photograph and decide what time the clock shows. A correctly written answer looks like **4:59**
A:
**4:03**
